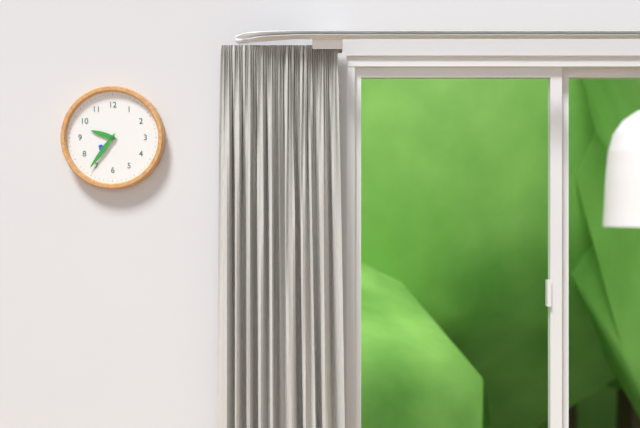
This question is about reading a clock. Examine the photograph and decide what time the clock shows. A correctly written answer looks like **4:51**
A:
**9:36**
